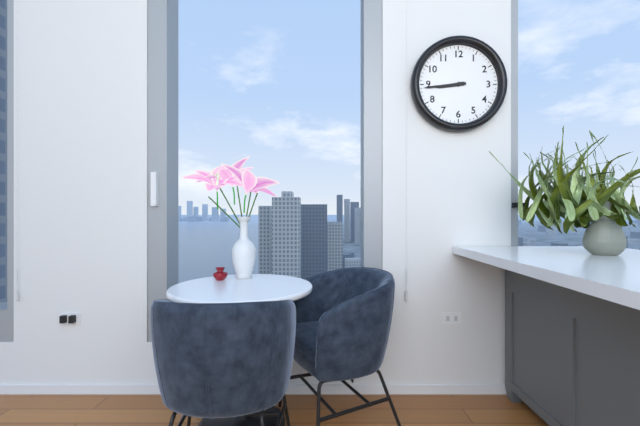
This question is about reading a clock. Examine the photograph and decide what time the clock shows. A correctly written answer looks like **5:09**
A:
**8:44**
